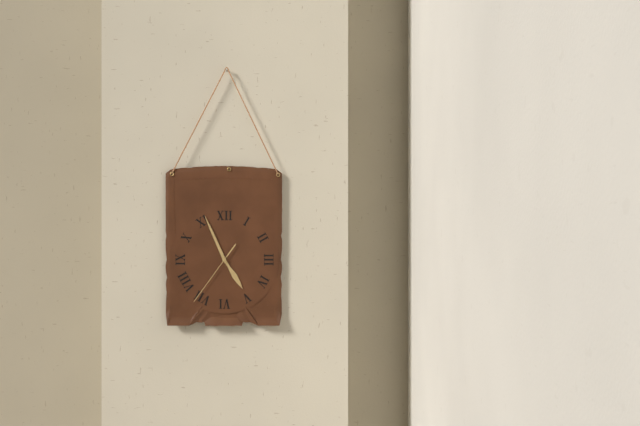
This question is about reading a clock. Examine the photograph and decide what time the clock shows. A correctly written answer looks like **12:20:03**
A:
**4:56:36**
